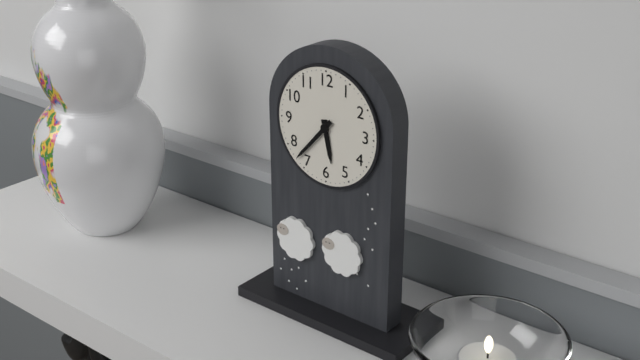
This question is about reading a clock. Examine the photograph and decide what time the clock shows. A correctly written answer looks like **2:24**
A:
**5:37**
